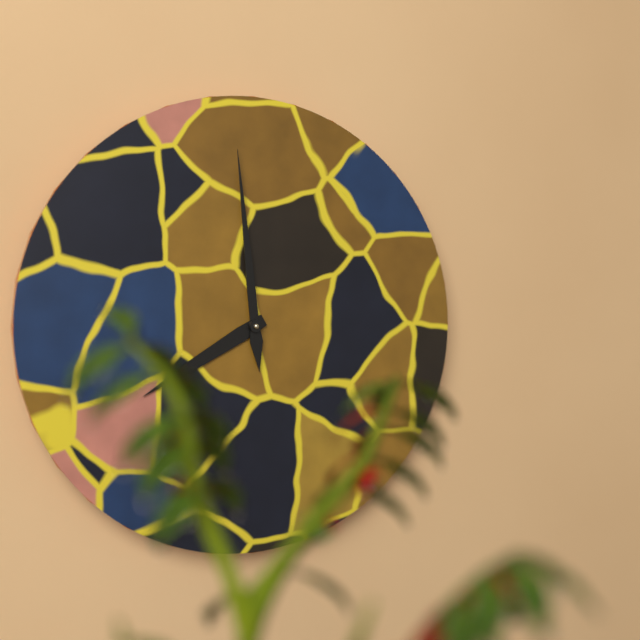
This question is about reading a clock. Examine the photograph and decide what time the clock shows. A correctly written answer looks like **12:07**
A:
**7:59**
